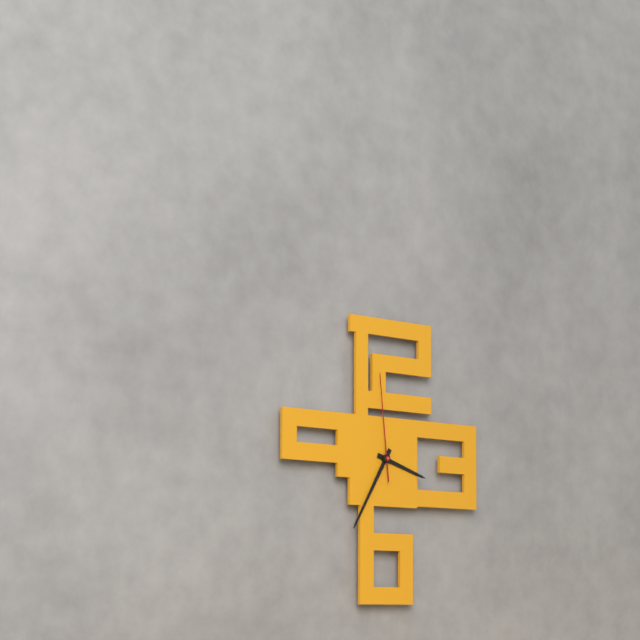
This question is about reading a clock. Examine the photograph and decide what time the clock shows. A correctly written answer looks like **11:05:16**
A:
**3:35:59**
